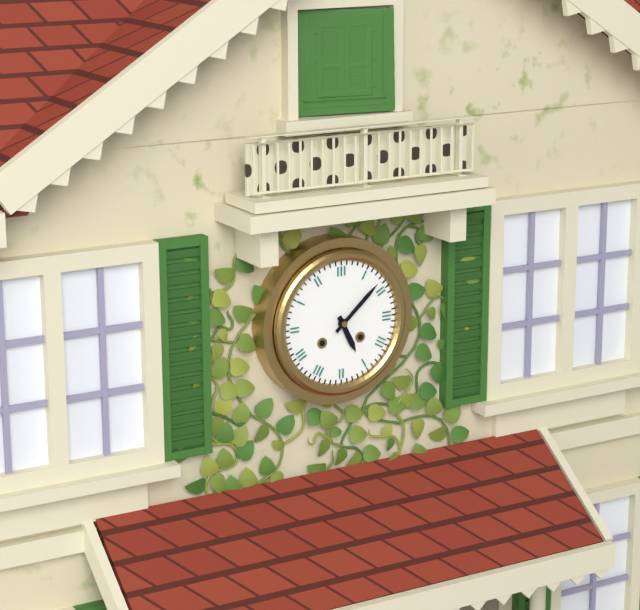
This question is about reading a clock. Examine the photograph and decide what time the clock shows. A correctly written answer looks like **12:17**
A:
**5:08**
